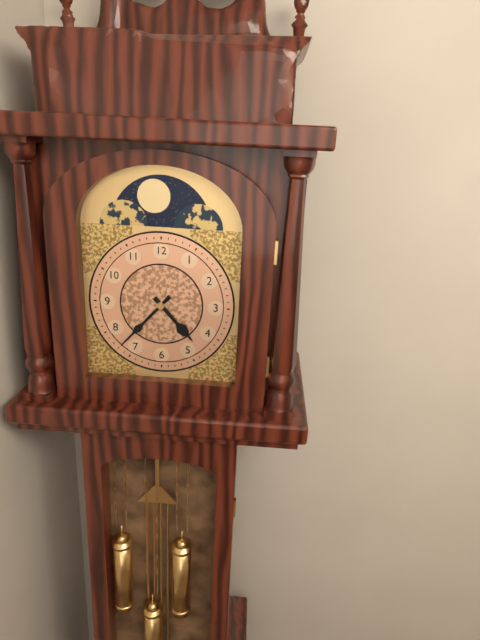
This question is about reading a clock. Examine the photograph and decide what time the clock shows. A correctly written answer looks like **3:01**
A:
**4:37**
